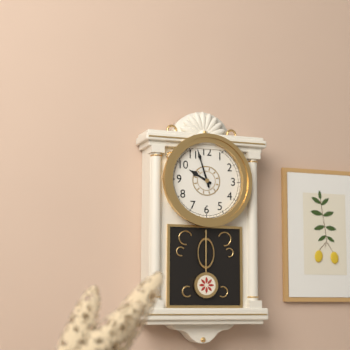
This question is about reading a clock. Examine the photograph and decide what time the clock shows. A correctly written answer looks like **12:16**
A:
**9:57**
